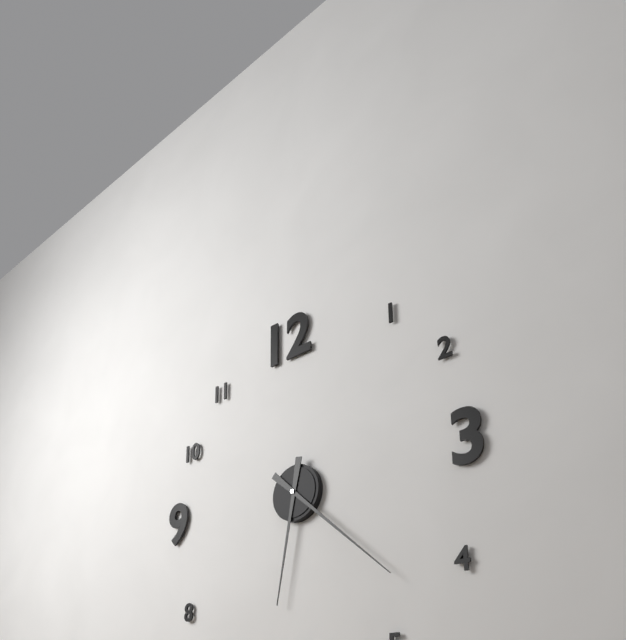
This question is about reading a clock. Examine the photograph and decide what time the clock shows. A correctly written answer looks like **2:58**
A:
**6:22**
